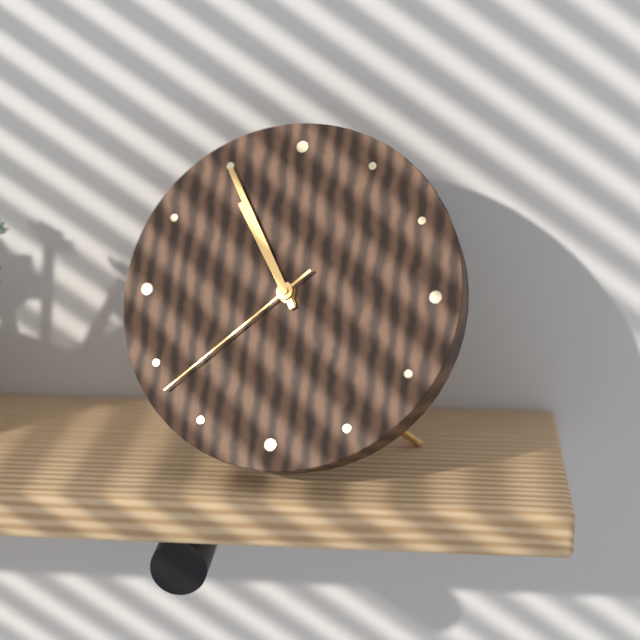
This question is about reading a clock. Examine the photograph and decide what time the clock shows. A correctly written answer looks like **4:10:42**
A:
**10:55:38**
